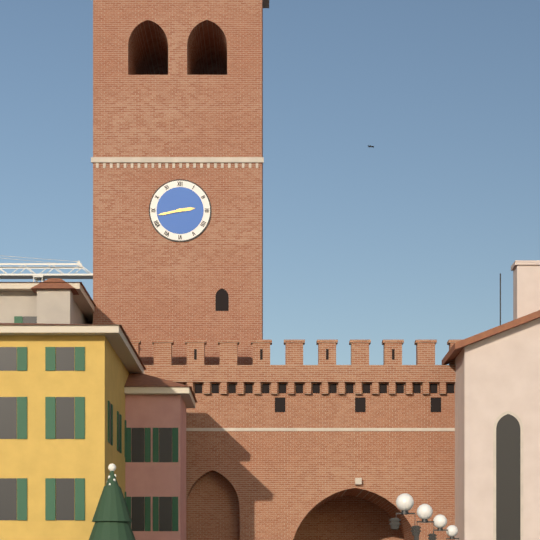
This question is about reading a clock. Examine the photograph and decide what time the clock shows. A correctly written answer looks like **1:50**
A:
**2:43**
